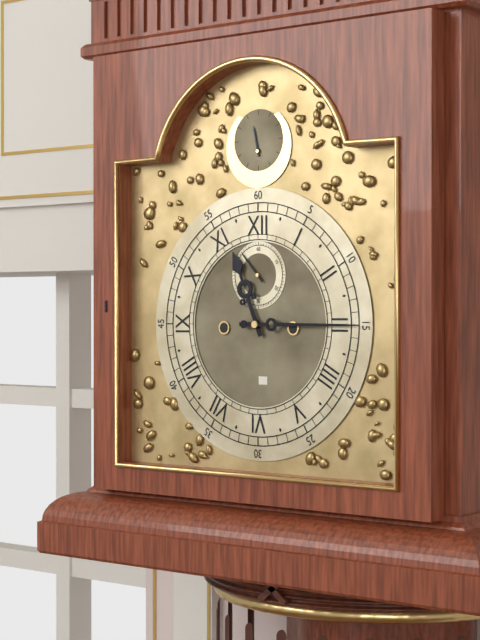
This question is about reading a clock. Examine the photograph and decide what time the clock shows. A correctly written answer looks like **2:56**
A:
**11:15**
